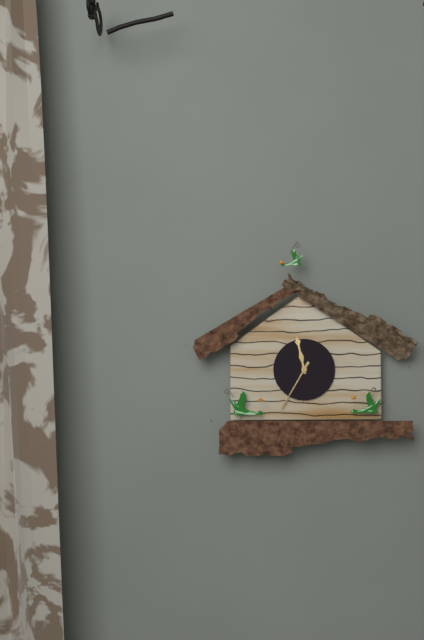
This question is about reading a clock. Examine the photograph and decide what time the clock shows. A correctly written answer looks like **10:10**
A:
**11:35**
